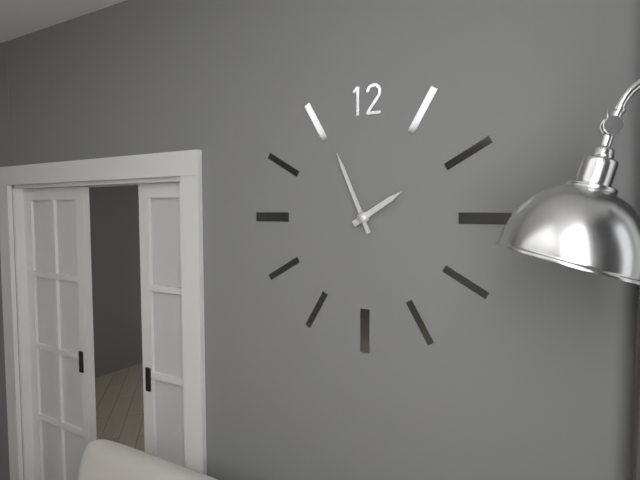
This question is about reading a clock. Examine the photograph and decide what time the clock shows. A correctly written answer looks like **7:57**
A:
**1:56**
